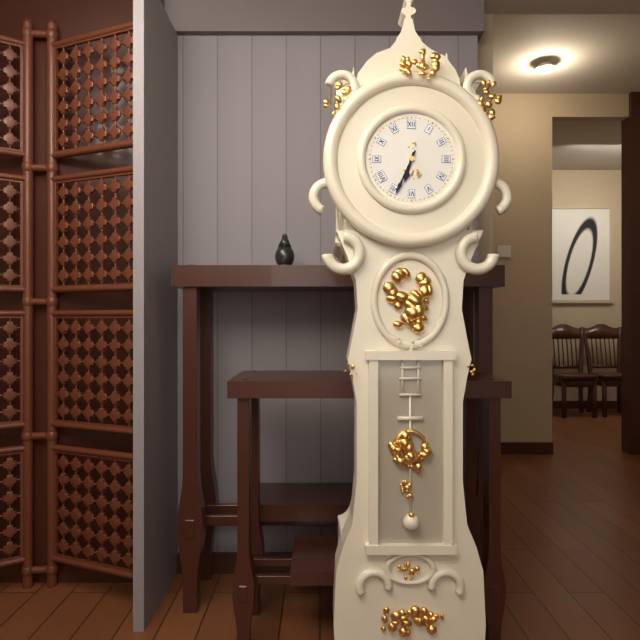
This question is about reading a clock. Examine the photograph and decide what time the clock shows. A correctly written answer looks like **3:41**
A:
**6:34**
